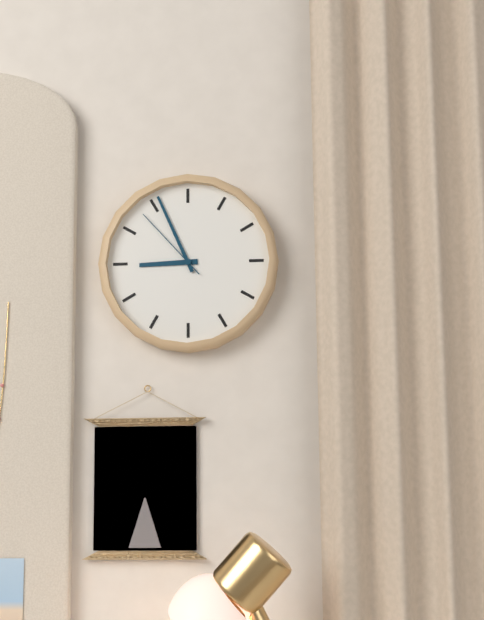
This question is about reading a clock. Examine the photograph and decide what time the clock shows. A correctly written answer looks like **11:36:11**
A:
**8:56:53**
